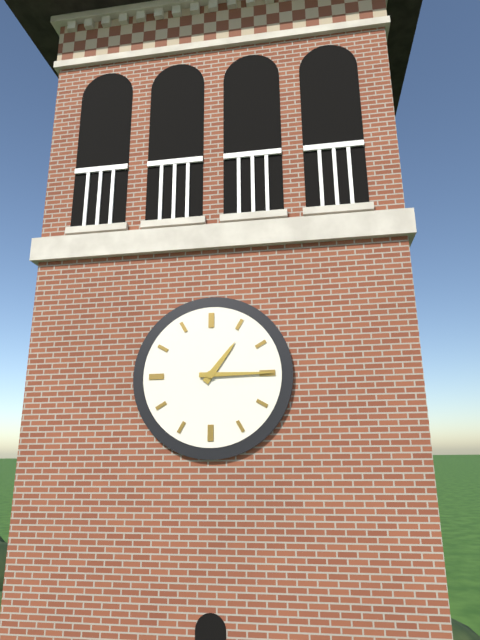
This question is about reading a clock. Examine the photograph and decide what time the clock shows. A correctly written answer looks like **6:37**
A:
**1:15**
